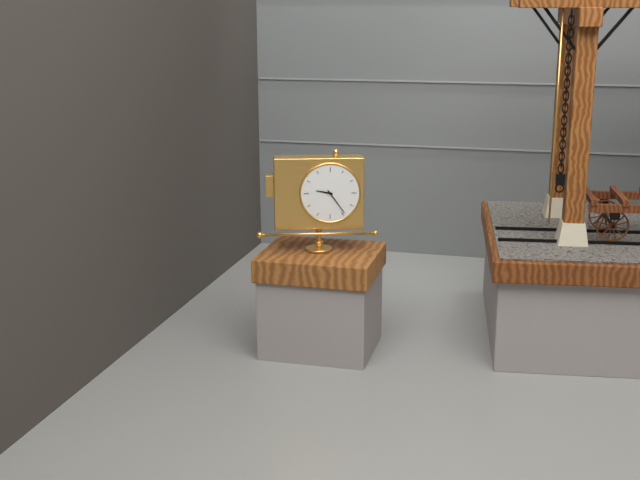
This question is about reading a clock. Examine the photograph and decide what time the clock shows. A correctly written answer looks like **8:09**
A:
**9:24**
